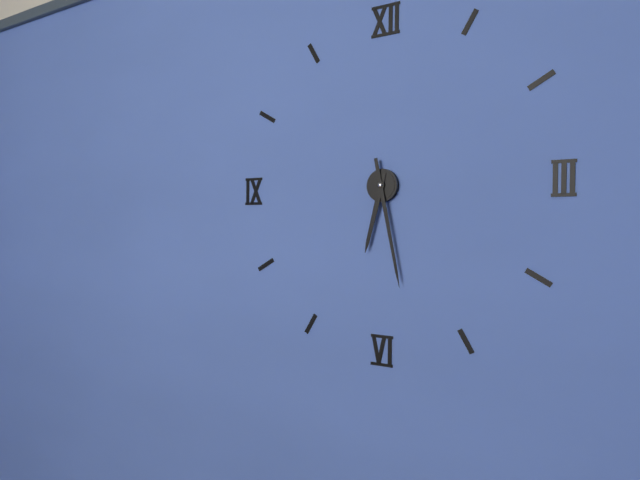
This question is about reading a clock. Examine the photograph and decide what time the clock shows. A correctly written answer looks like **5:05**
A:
**6:28**
